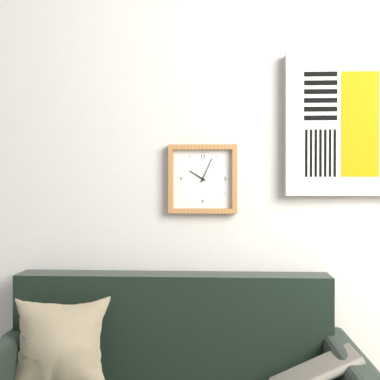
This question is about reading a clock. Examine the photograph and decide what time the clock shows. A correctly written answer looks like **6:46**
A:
**10:04**
